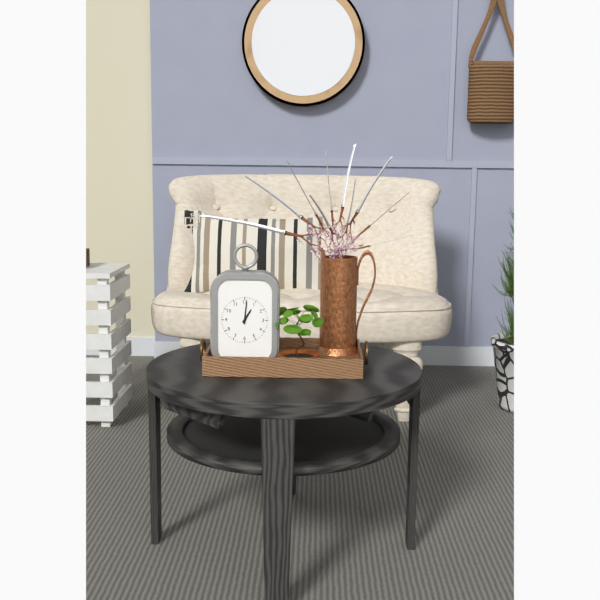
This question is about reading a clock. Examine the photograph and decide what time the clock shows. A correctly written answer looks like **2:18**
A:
**1:01**
